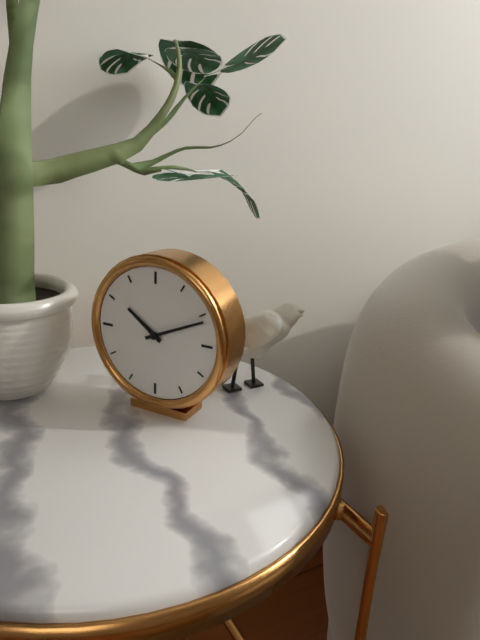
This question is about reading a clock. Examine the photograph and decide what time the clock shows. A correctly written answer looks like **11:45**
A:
**10:11**
